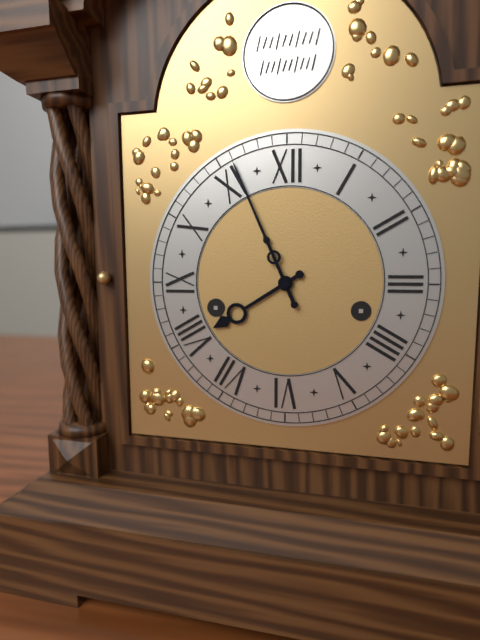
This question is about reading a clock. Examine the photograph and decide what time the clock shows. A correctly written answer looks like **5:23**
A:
**7:56**
